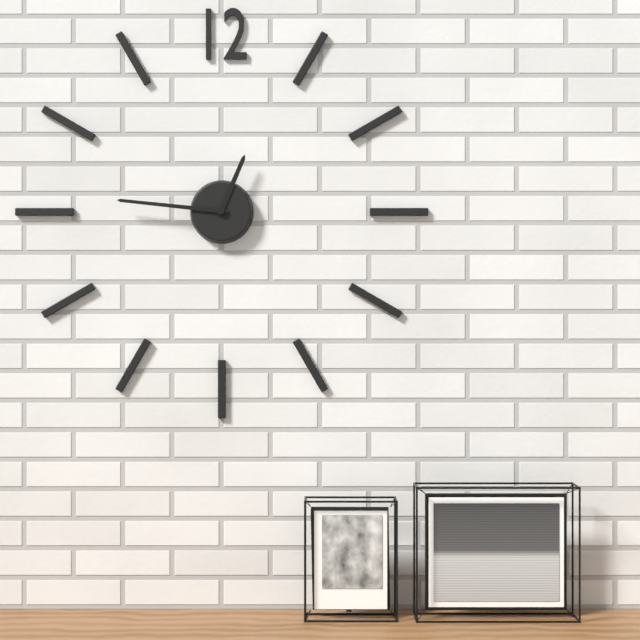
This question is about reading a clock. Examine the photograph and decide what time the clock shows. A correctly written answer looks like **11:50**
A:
**12:46**
